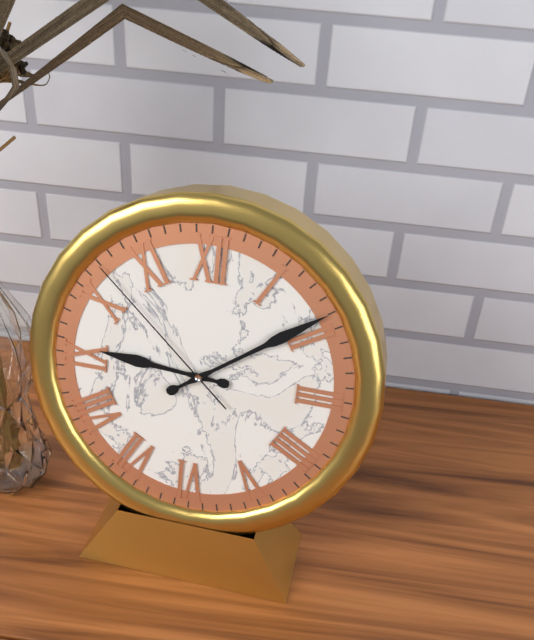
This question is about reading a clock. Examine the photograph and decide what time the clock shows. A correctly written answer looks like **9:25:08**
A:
**9:09:52**
